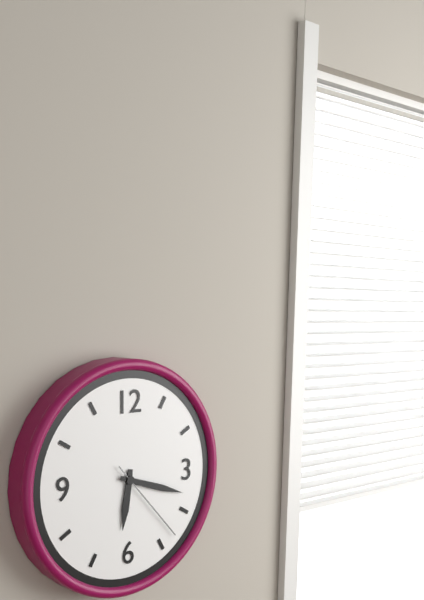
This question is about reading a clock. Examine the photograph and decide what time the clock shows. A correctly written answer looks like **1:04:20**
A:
**6:18:23**
